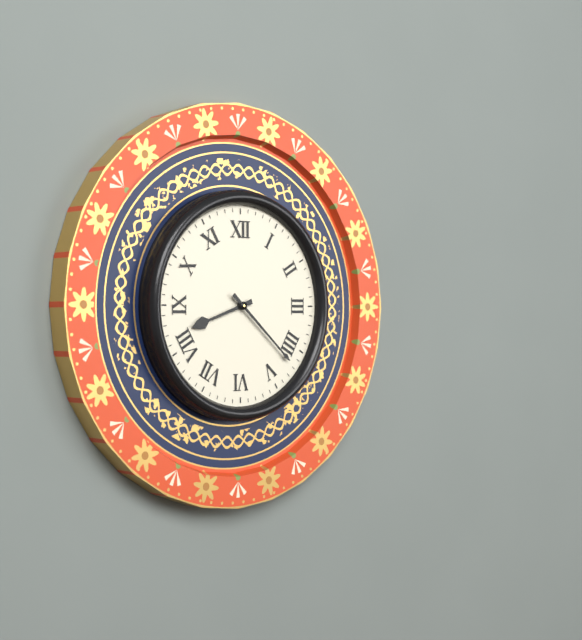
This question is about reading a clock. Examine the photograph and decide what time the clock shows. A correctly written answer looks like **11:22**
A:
**8:22**
